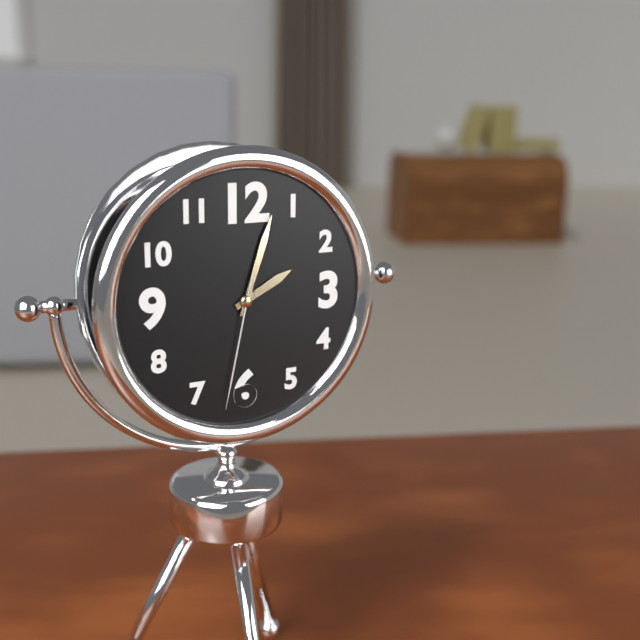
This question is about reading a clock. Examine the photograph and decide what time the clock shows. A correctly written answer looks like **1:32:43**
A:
**2:03:32**
